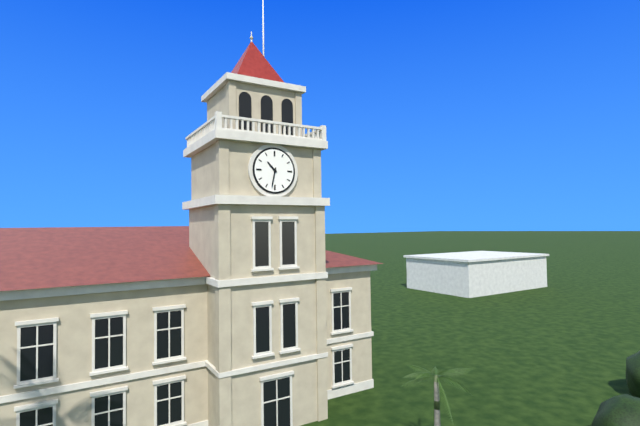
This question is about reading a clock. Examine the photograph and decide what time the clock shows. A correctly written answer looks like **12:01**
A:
**10:32**
